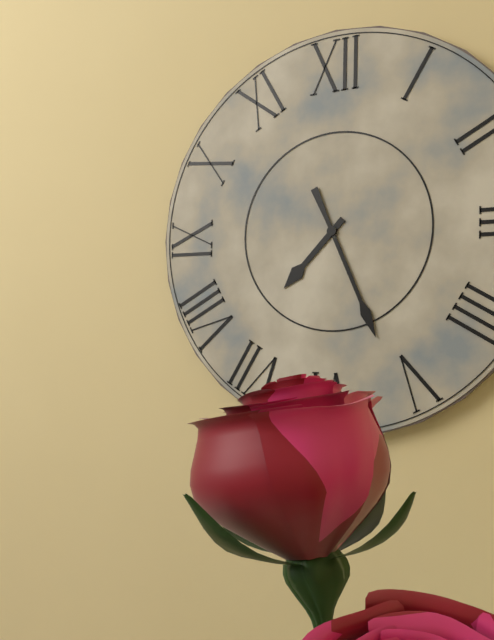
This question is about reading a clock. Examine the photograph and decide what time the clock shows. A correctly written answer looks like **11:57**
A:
**7:26**
